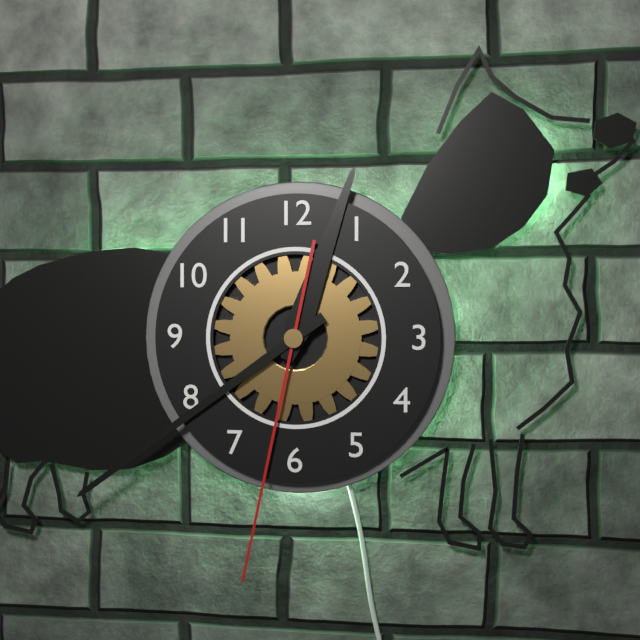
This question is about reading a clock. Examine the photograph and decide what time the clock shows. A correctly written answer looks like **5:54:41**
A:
**12:39:32**
